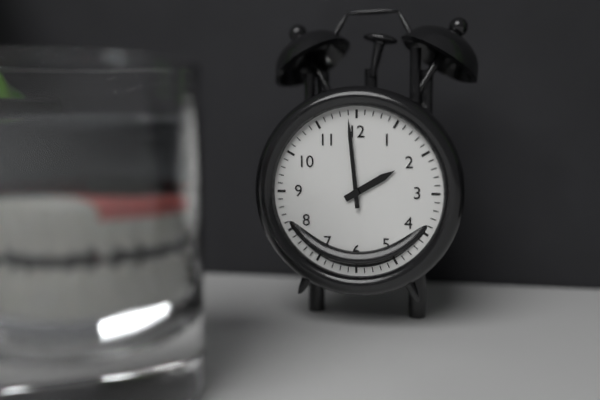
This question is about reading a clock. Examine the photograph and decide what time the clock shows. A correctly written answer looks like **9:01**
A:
**1:59**
